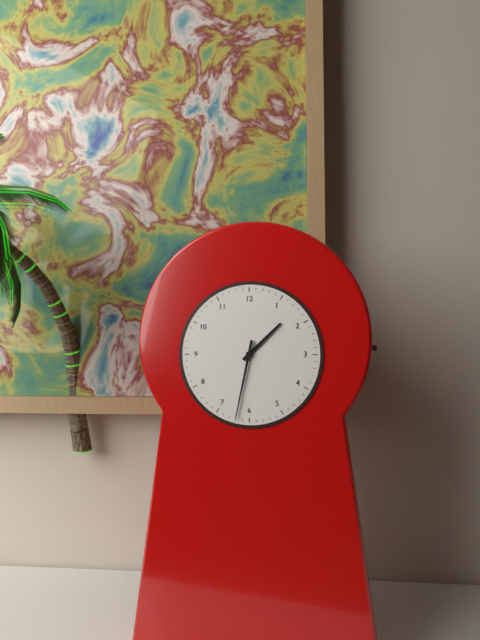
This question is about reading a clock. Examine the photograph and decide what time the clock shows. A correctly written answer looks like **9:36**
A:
**1:32**
